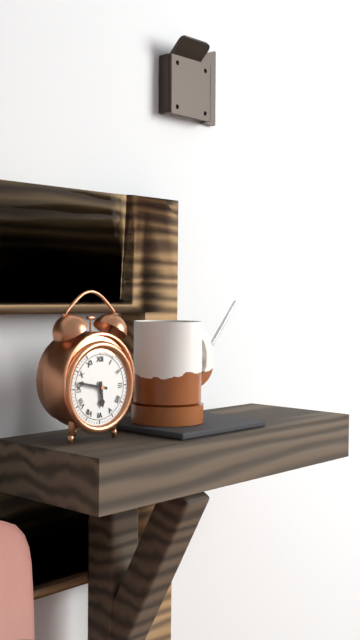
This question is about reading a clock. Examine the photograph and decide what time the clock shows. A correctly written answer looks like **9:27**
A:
**5:47**
